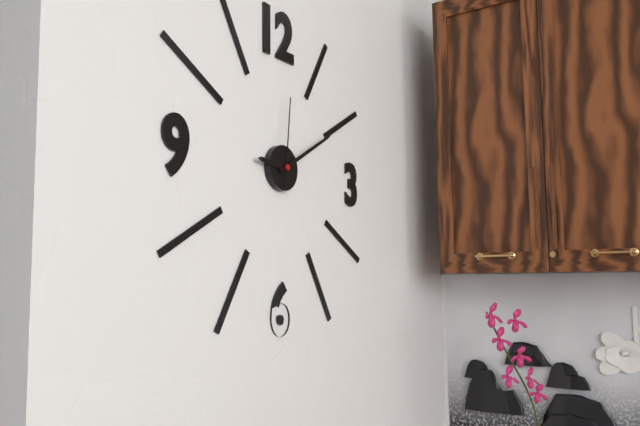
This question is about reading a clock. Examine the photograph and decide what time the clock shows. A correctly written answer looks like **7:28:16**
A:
**9:10:01**
